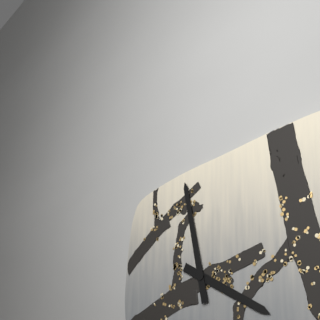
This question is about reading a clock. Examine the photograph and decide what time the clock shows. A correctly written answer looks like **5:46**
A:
**3:58**
